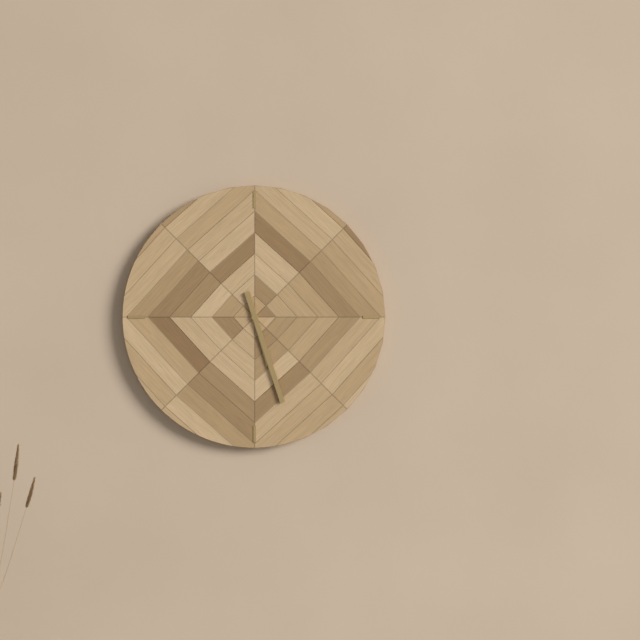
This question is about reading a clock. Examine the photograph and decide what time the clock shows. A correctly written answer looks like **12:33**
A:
**5:27**
